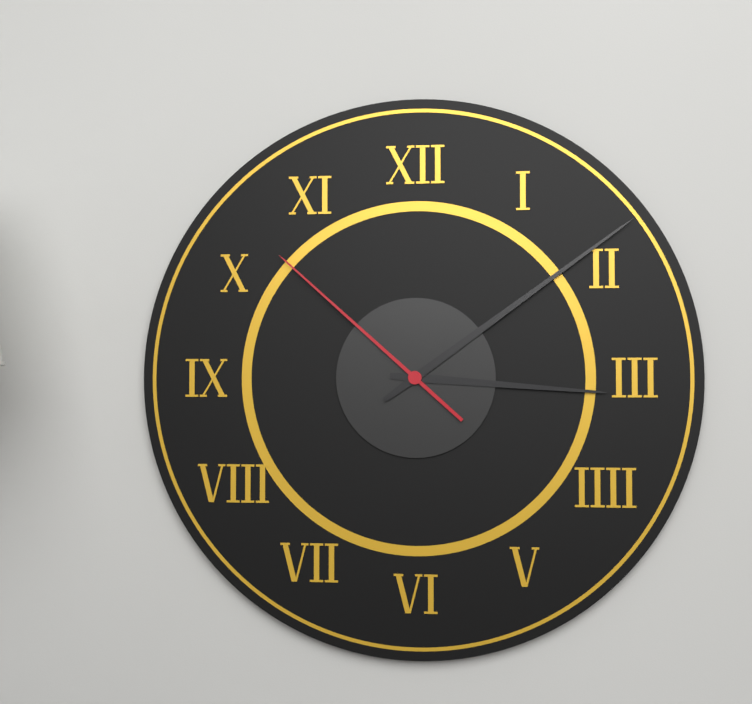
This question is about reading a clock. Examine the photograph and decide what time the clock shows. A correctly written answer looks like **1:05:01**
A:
**3:09:52**
